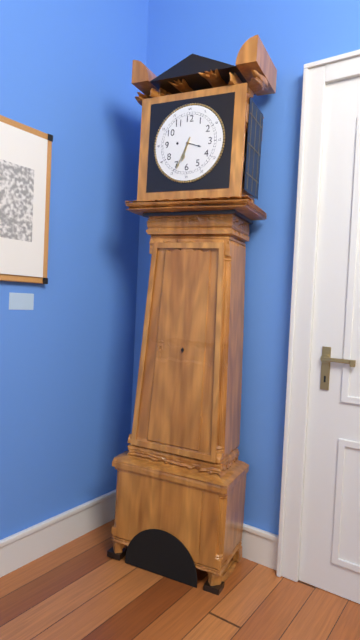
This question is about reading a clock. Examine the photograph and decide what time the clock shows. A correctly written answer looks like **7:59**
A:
**6:34**
